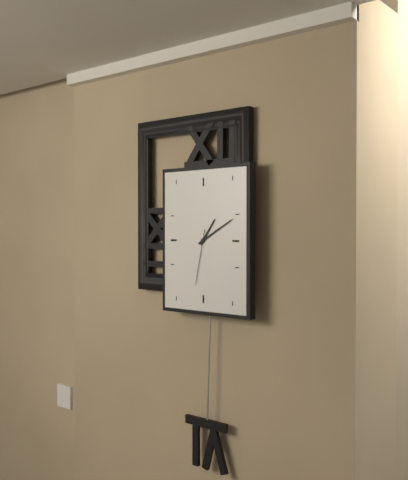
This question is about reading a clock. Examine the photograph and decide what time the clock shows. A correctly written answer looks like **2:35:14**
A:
**1:10:32**
